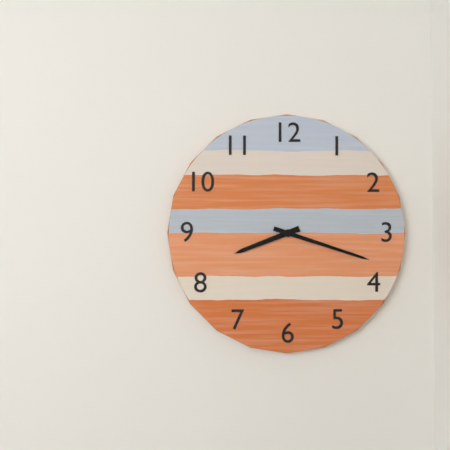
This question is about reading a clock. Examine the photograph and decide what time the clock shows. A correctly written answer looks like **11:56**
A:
**8:18**
